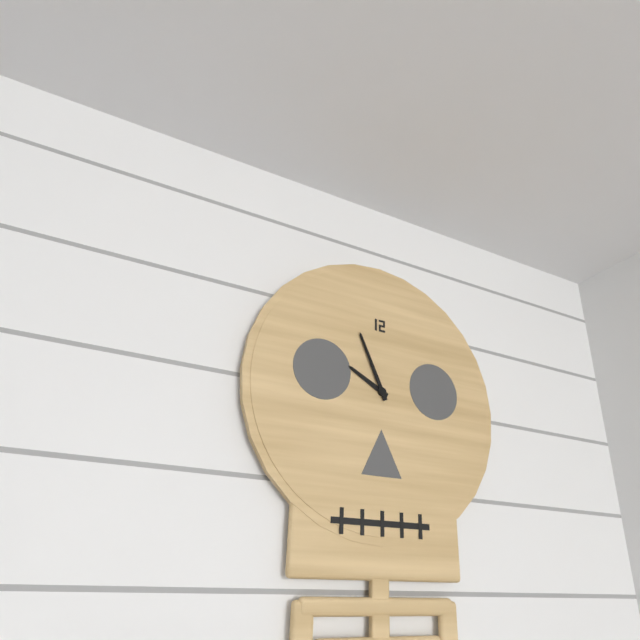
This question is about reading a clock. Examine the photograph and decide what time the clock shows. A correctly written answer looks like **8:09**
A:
**9:56**
